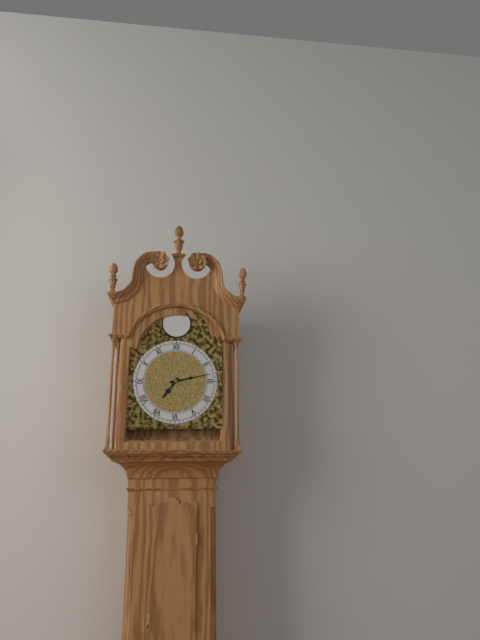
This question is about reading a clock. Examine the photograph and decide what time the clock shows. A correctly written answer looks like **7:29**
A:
**7:13**
